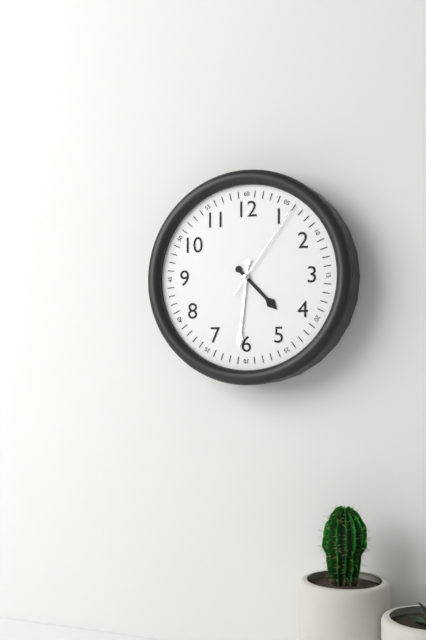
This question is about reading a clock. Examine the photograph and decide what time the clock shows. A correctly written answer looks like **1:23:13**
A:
**4:31:06**
